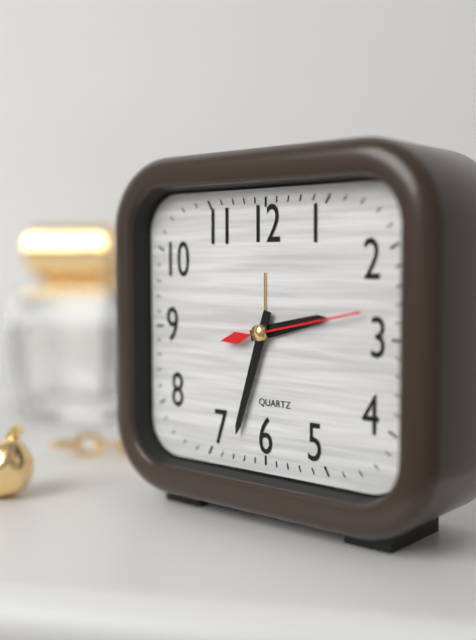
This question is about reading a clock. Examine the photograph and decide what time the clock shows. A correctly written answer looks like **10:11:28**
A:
**2:33:13**
